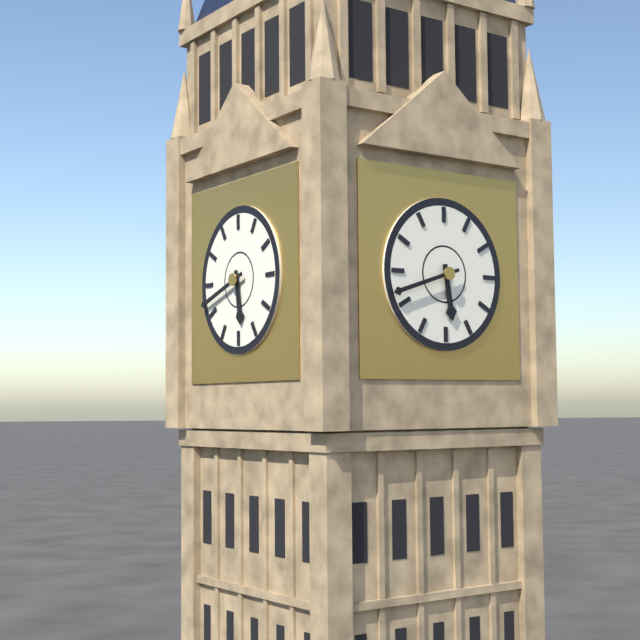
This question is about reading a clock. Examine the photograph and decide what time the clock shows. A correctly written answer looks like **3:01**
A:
**5:42**
